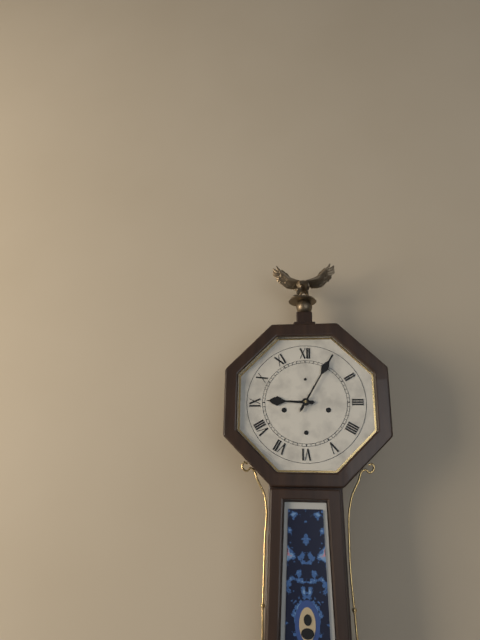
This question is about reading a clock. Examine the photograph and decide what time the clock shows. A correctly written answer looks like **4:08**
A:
**9:05**
